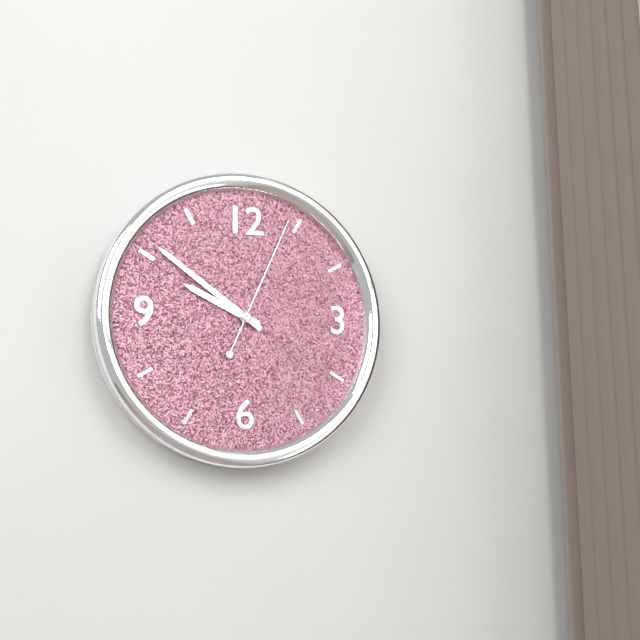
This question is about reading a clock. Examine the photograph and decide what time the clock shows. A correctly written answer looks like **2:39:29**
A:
**9:51:04**
